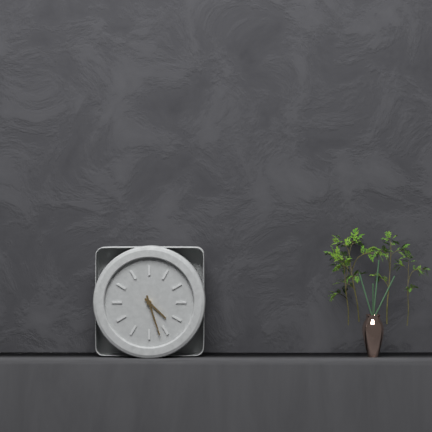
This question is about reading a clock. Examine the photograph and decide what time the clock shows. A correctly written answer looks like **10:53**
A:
**4:27**
